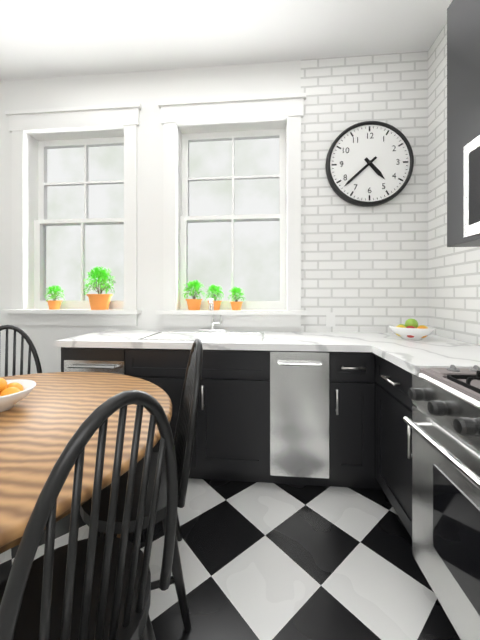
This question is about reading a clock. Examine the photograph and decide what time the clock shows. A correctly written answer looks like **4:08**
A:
**4:38**
